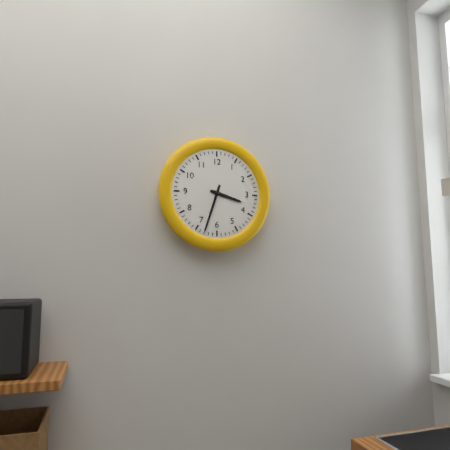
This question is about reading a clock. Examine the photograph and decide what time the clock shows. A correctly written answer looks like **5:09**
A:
**3:33**
